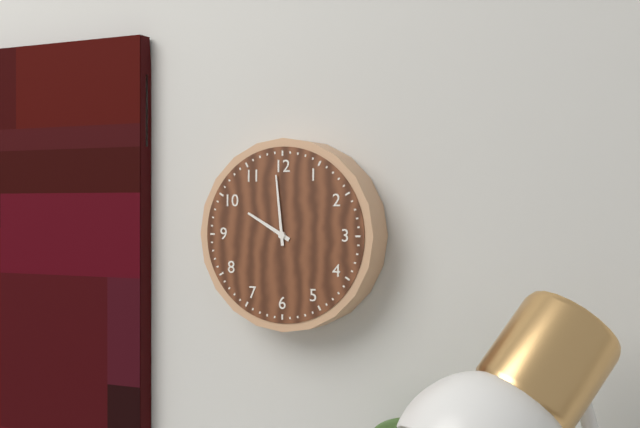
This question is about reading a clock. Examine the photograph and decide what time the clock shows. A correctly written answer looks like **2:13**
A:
**9:59**
